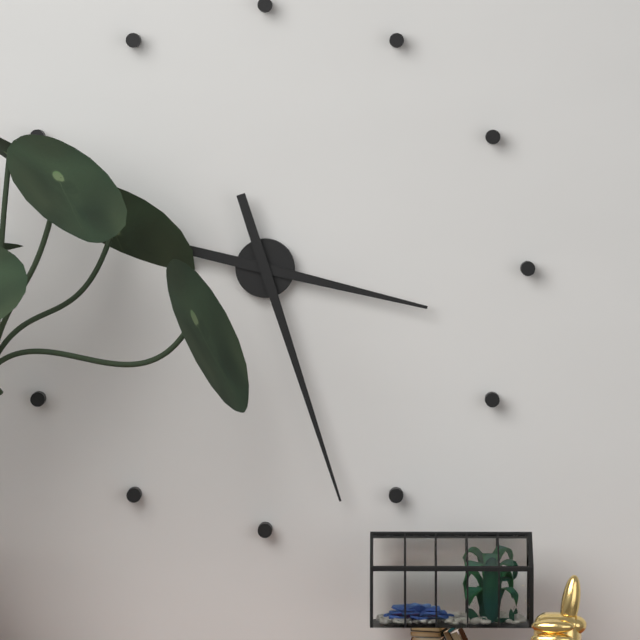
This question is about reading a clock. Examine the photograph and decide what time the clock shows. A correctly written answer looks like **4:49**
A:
**3:27**
